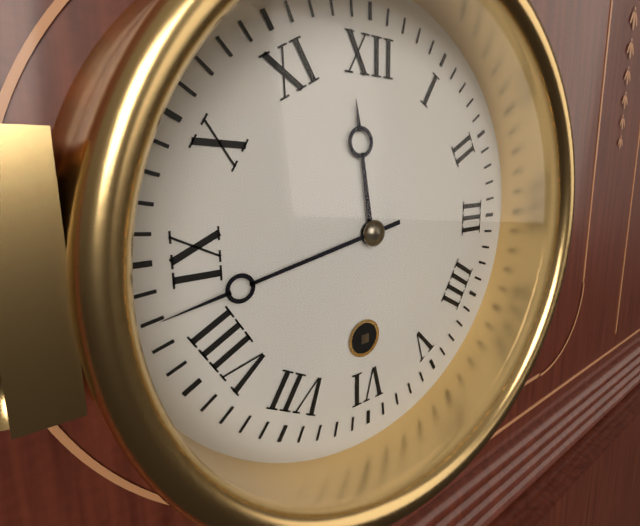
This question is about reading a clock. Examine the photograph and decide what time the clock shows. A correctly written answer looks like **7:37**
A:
**11:43**
